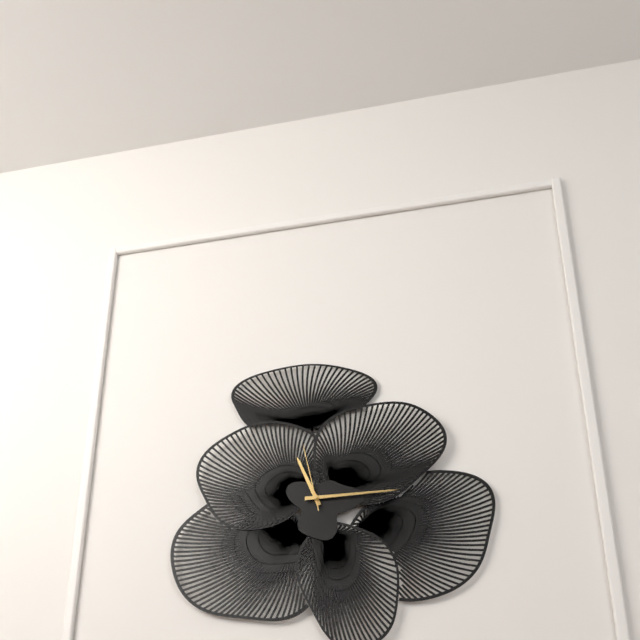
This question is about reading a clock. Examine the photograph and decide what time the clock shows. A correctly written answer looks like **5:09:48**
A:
**11:15:58**
